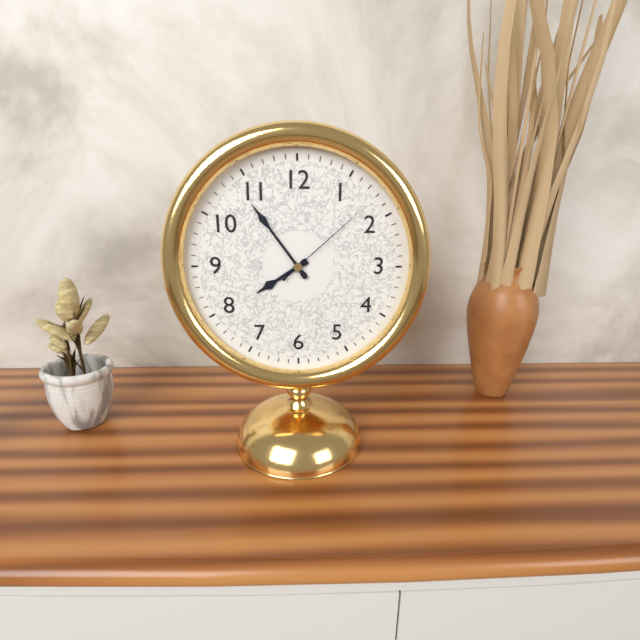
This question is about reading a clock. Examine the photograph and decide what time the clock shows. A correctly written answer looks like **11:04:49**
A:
**7:54:08**
